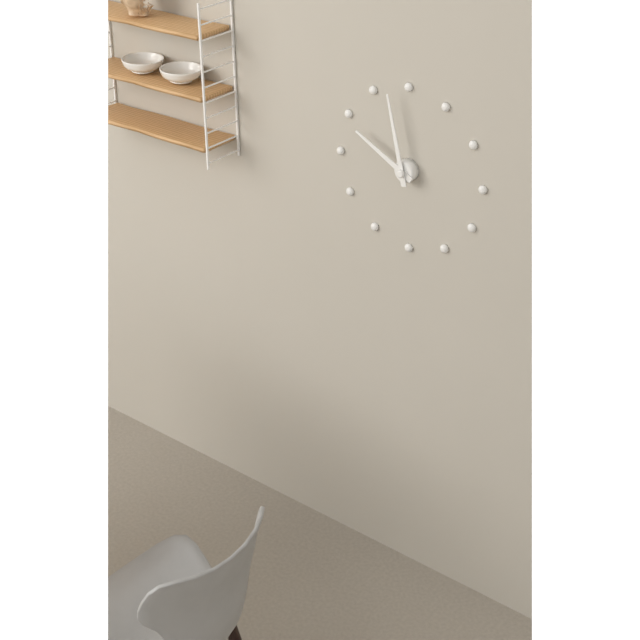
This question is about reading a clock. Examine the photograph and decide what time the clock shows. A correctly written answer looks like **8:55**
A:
**9:58**
